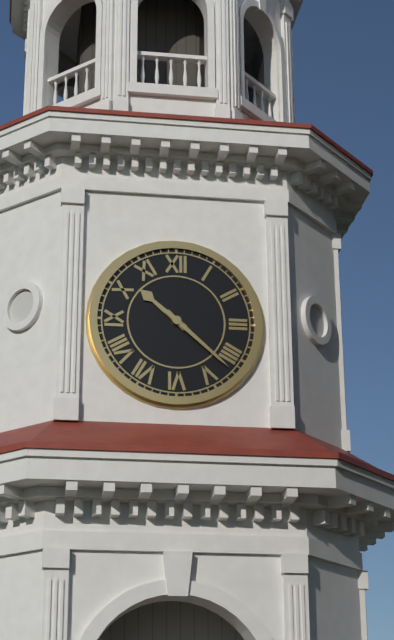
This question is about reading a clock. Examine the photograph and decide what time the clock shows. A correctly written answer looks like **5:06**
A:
**10:22**
